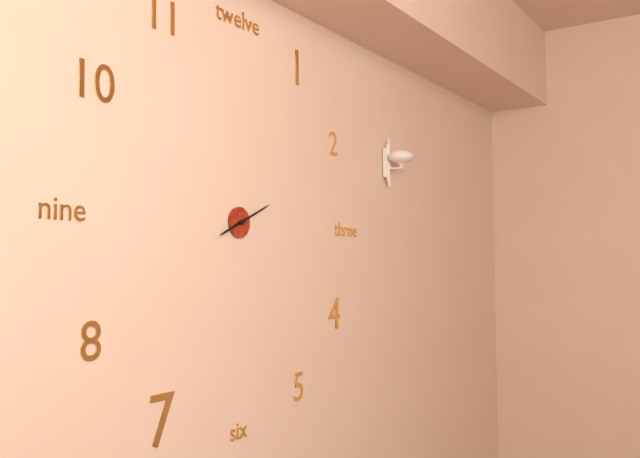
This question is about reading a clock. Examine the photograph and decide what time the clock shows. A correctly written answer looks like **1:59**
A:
**8:11**
